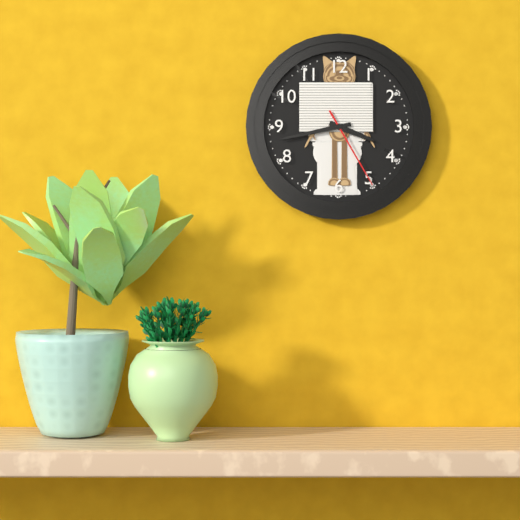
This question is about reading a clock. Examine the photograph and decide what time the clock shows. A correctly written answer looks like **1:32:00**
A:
**3:43:25**
